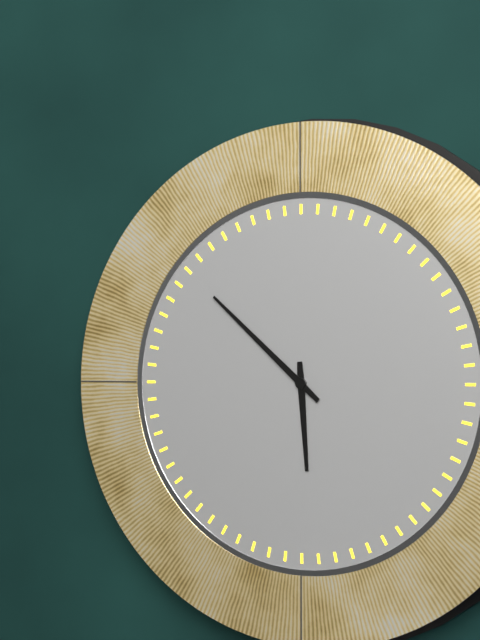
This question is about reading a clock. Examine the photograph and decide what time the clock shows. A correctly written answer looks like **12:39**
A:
**5:52**
